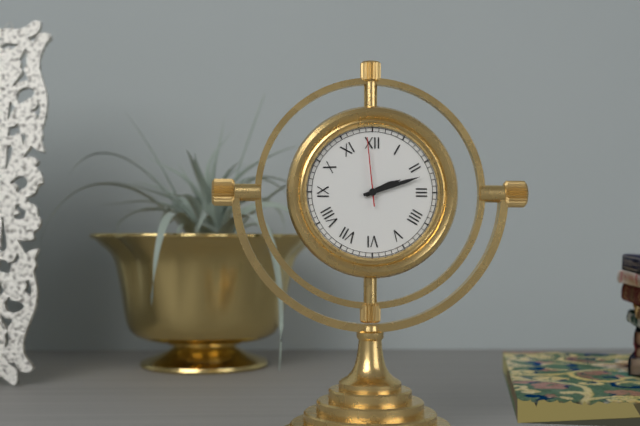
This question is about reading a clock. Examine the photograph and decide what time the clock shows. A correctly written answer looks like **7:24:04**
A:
**2:12:59**
